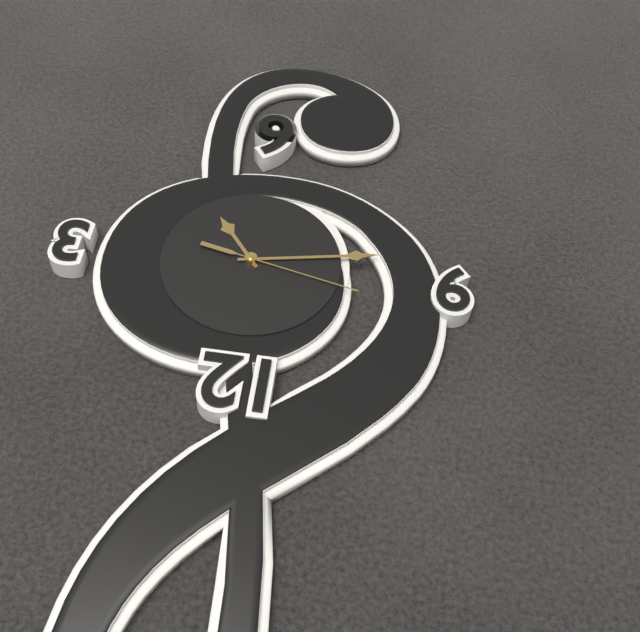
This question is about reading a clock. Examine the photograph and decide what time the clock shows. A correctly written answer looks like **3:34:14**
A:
**4:43:47**
